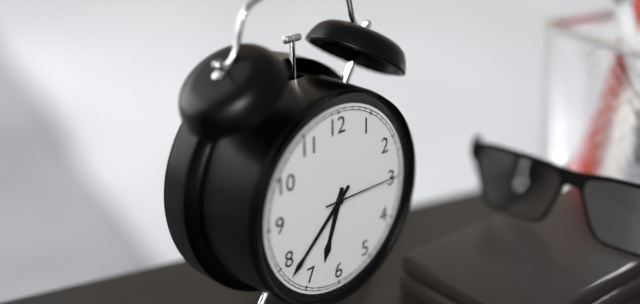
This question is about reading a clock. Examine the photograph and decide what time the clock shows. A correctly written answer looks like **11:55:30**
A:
**6:38:15**
